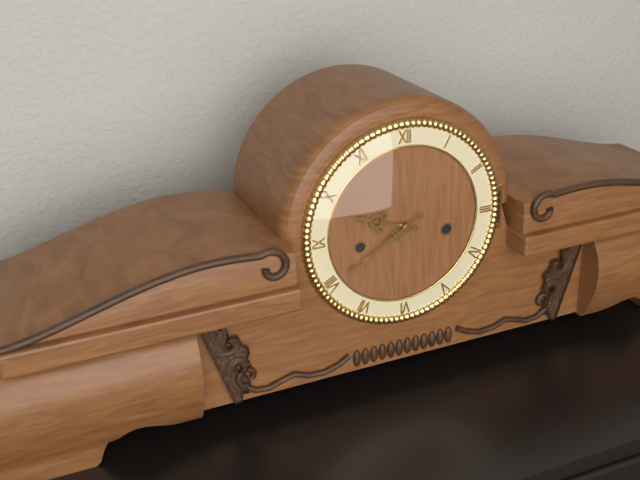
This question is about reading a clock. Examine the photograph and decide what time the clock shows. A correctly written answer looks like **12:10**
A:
**9:40**
